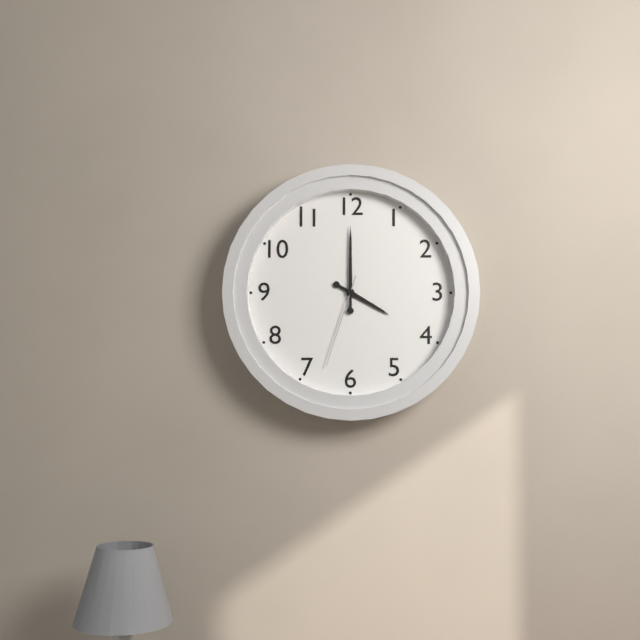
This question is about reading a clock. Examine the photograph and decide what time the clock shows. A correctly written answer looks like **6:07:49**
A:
**4:00:33**
